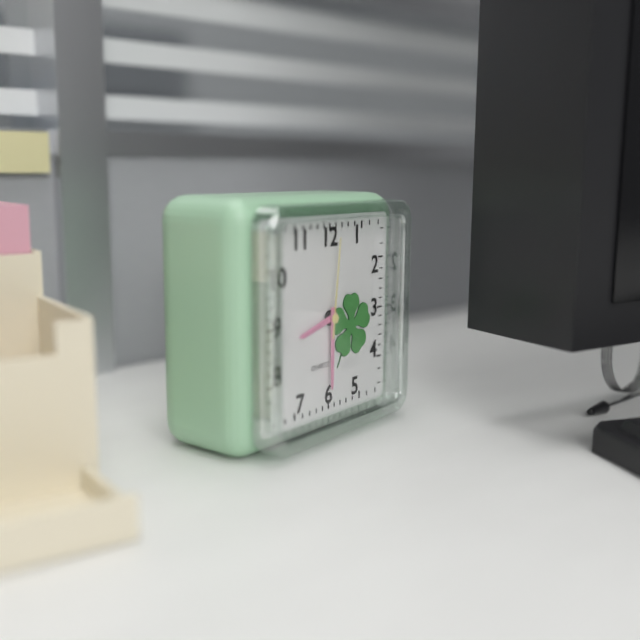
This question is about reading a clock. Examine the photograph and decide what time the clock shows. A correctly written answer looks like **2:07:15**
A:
**8:30:01**
